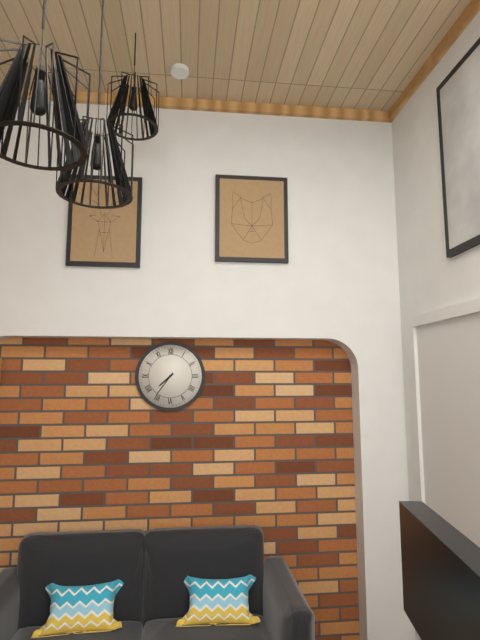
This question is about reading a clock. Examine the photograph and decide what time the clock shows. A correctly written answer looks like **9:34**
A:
**7:36**
